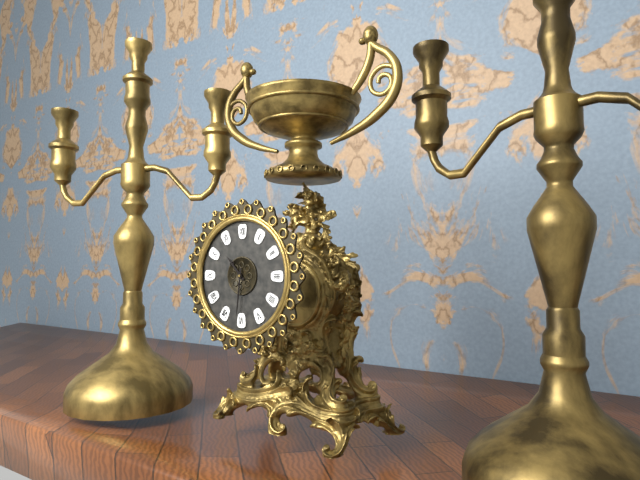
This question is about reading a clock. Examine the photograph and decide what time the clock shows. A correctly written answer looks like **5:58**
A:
**10:31**
